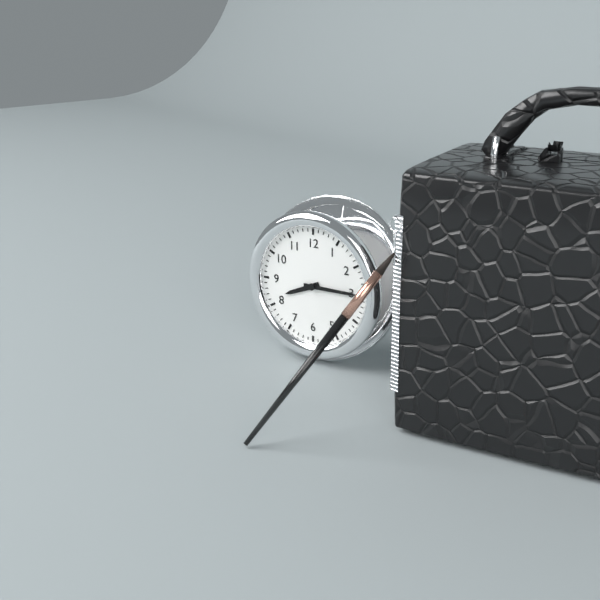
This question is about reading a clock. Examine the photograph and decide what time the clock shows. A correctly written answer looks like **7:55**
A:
**8:15**
